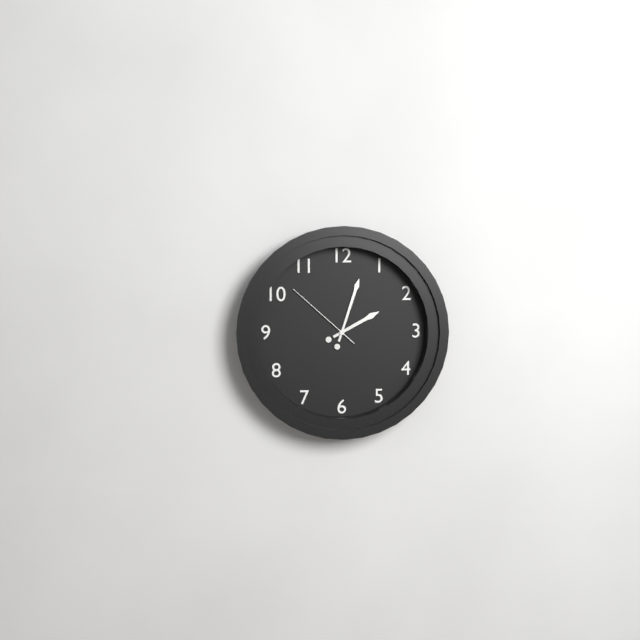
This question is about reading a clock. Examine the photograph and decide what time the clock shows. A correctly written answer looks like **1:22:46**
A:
**2:03:52**
